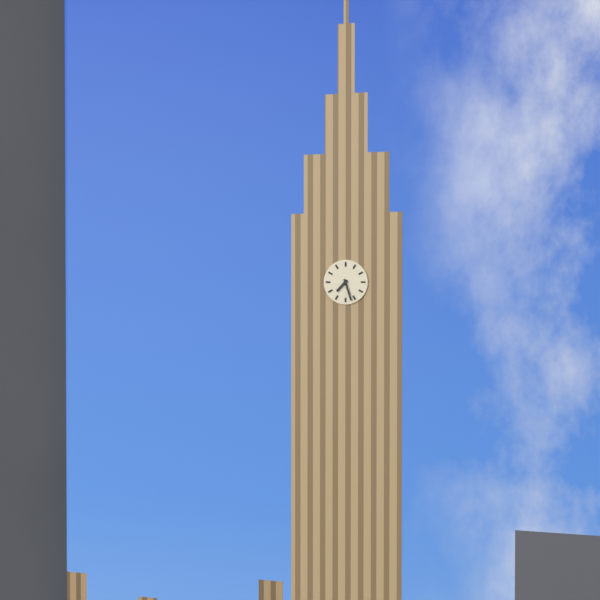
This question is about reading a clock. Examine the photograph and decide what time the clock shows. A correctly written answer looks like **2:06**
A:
**7:27**
